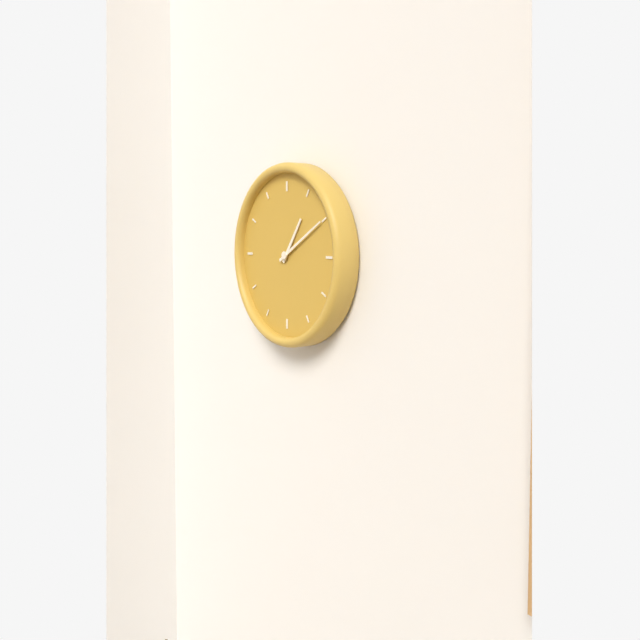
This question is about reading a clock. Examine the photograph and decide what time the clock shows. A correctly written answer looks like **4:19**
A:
**1:10**
